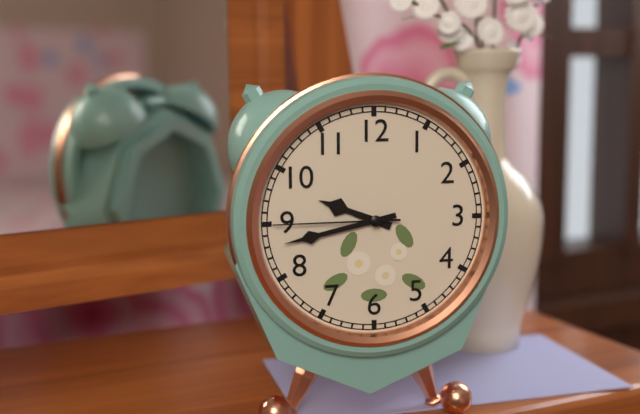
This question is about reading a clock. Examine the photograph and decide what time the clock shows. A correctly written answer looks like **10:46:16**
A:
**9:43:45**
